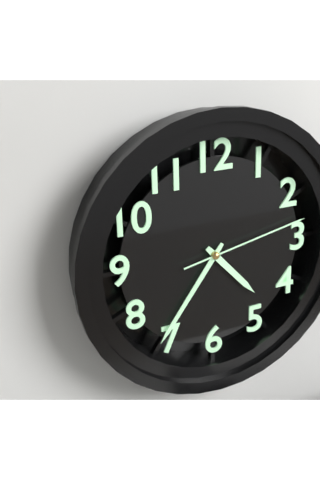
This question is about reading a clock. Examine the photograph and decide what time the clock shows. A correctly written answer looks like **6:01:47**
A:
**4:36:13**
